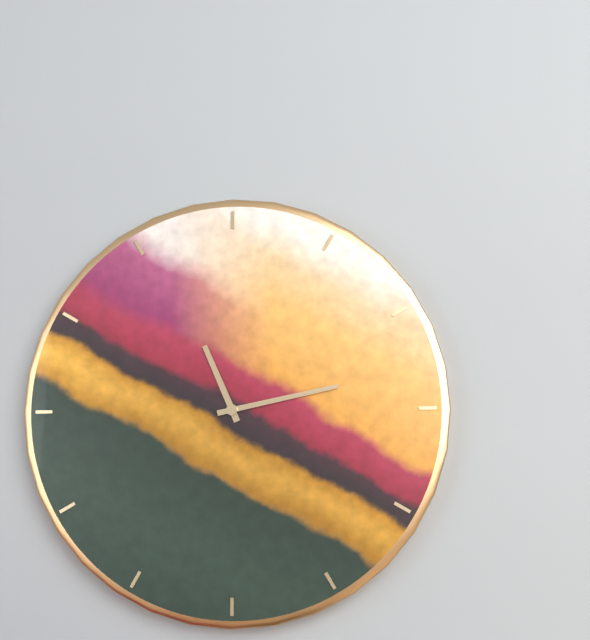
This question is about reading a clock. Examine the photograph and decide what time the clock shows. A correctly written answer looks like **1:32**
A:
**11:13**
